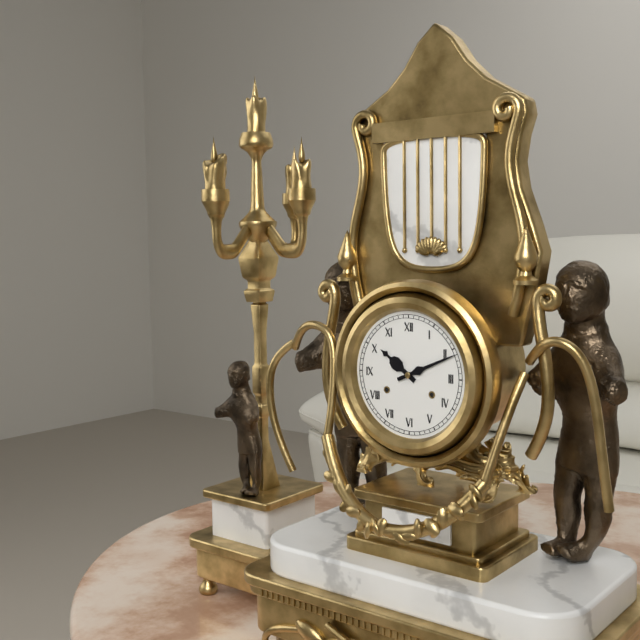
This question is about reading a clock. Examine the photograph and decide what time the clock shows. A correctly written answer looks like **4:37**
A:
**10:11**
